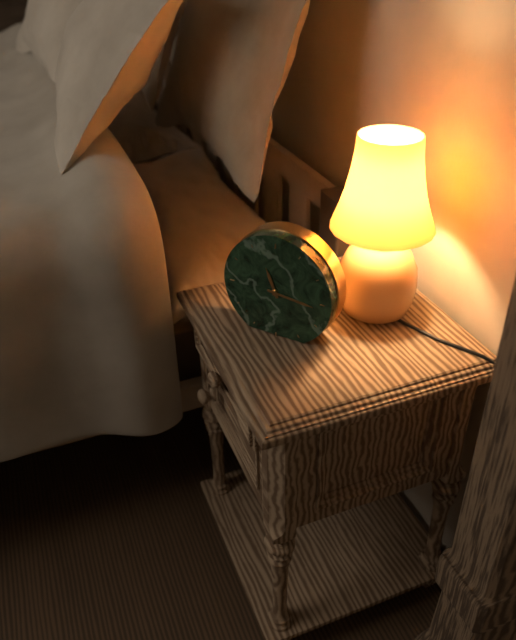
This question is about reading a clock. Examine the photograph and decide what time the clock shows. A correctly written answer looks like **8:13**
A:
**11:16**
